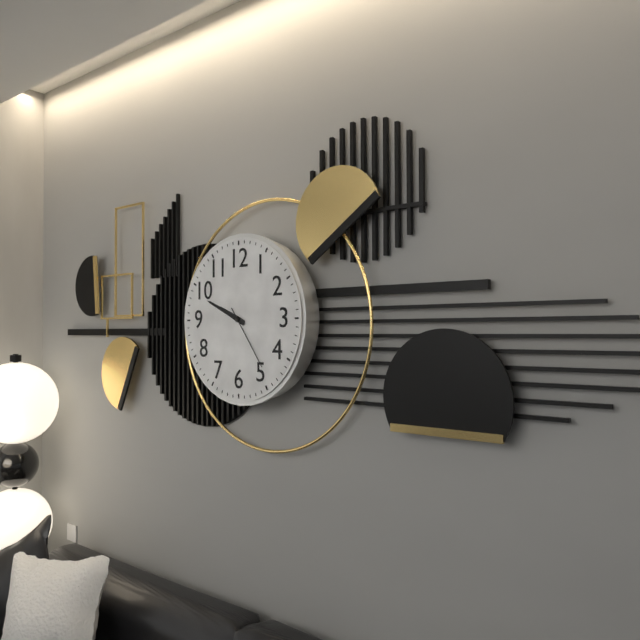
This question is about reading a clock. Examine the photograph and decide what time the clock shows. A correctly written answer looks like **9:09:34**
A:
**9:49:24**
